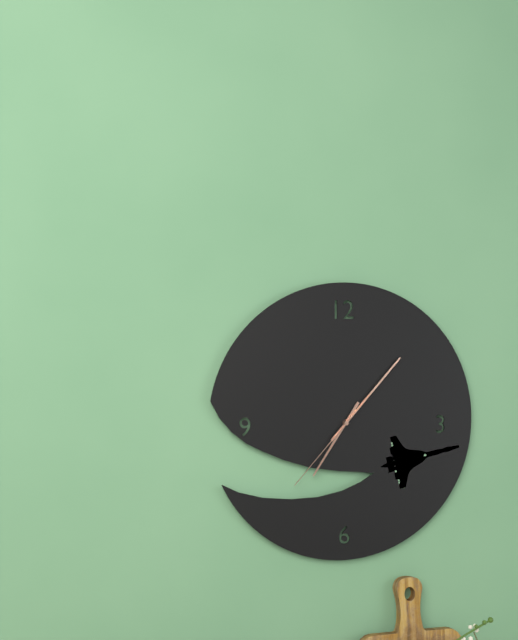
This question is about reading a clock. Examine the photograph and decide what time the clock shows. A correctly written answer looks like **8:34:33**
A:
**7:07:37**
